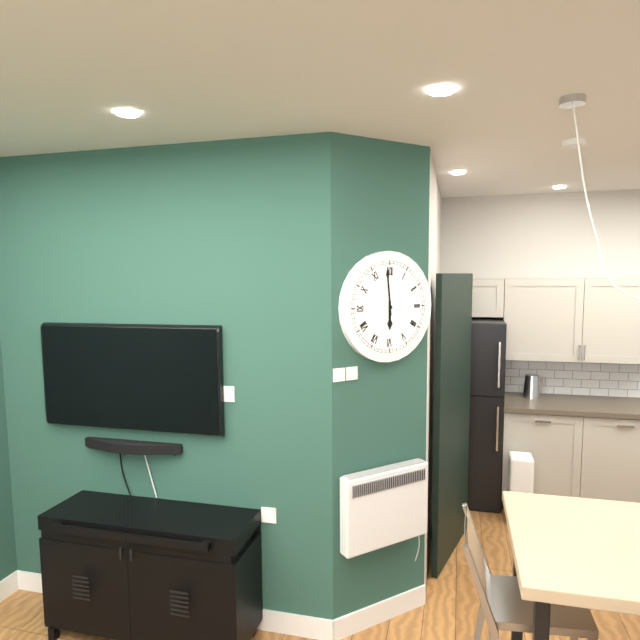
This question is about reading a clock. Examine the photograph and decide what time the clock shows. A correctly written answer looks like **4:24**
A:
**5:59**
